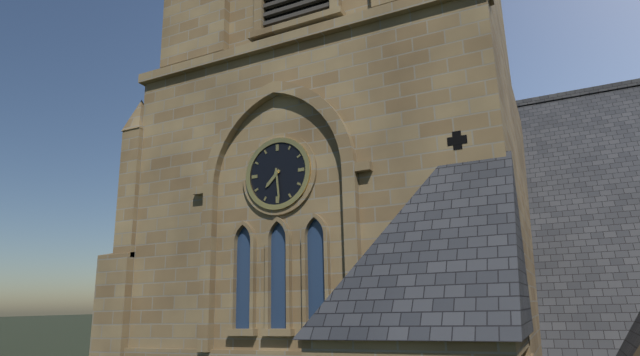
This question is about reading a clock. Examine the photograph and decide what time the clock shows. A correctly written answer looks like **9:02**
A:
**7:29**
